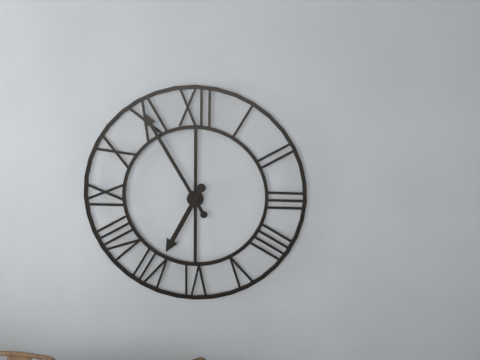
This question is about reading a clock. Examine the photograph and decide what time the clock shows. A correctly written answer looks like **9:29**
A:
**6:55**
